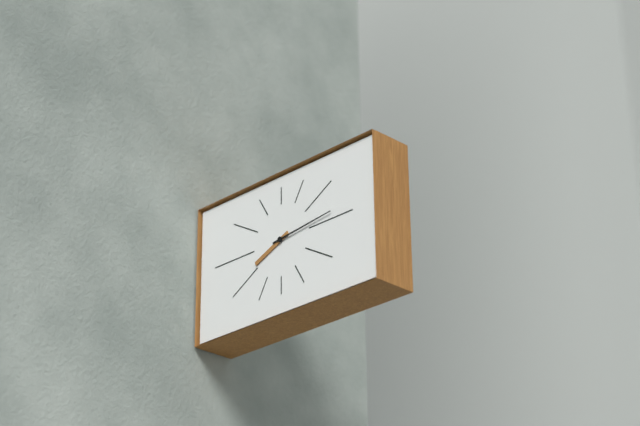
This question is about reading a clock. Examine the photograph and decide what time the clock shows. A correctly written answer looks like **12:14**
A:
**8:14**
